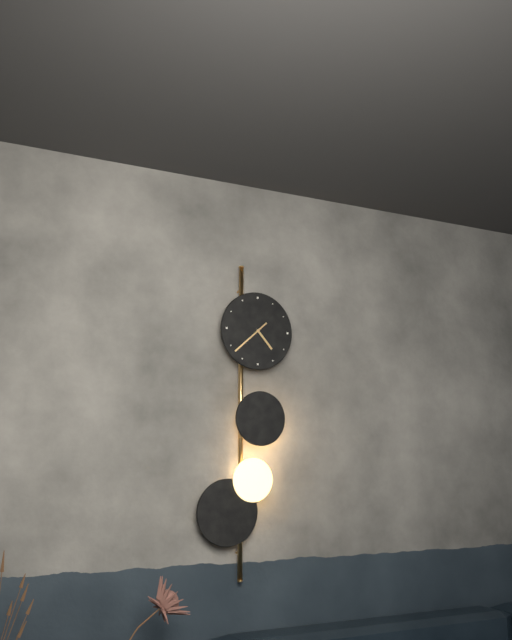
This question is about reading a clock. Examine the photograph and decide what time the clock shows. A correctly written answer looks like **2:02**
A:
**4:38**
